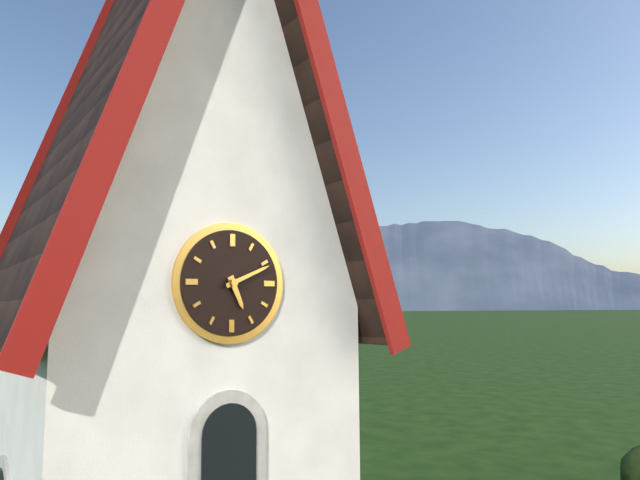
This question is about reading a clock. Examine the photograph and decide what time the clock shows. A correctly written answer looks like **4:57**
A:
**5:11**
